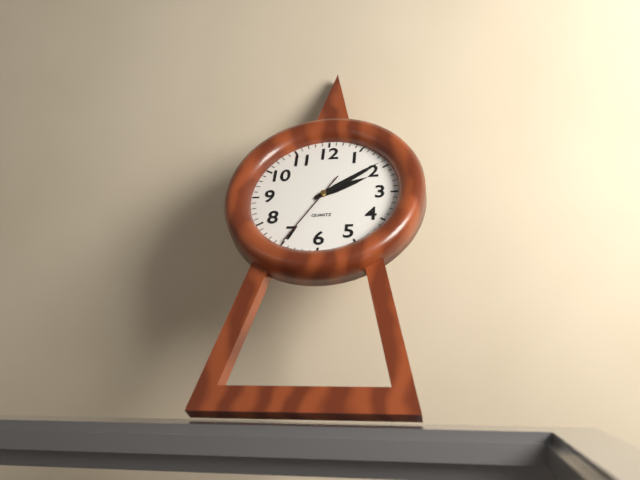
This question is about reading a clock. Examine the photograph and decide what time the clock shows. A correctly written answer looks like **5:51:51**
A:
**2:09:35**
